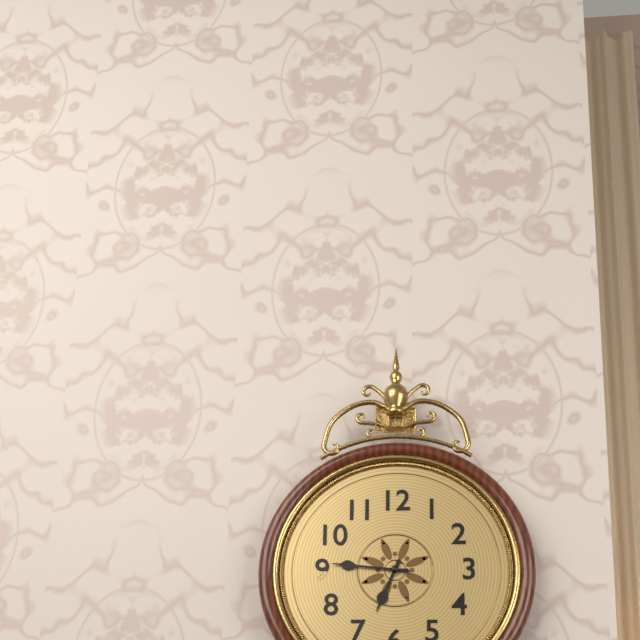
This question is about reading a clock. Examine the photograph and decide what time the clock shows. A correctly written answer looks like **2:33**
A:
**6:46**
